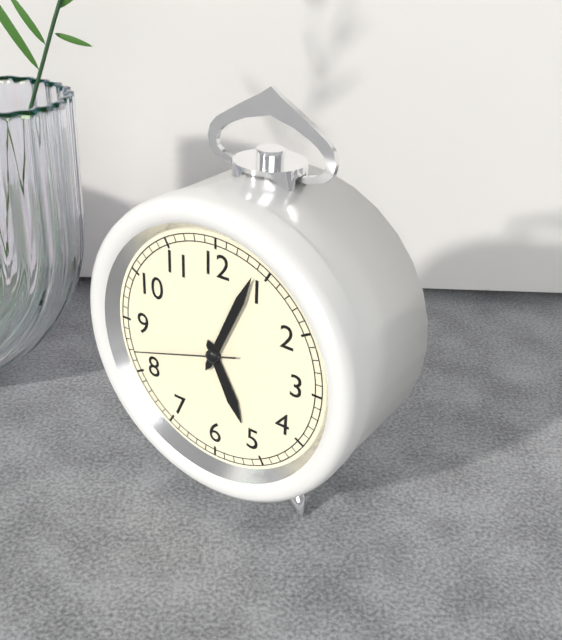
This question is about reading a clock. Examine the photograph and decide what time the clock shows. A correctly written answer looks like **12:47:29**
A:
**5:04:42**
